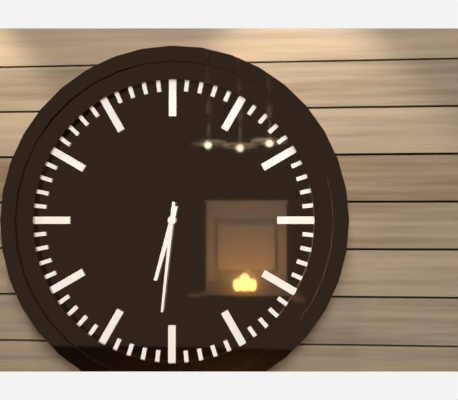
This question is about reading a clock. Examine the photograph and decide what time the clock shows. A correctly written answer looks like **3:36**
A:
**6:31**
